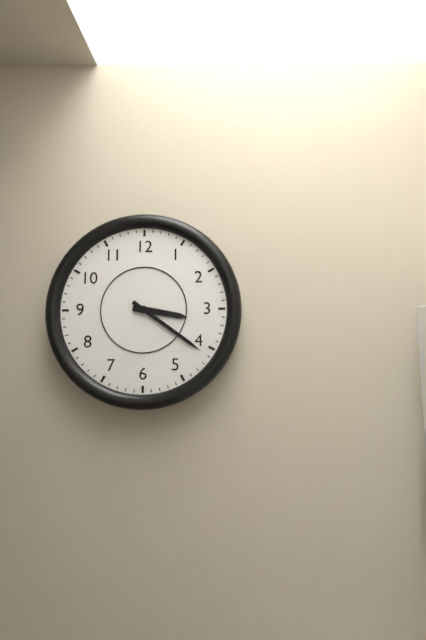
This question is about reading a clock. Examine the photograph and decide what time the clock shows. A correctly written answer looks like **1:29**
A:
**3:21**
